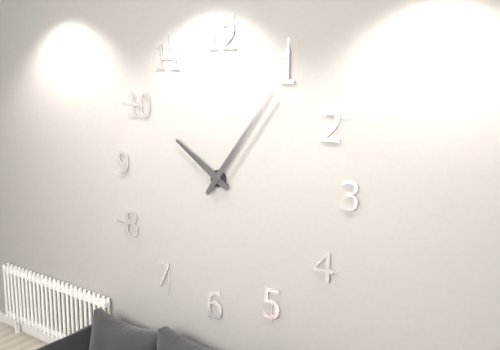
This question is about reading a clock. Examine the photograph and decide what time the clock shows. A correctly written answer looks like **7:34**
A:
**10:06**
